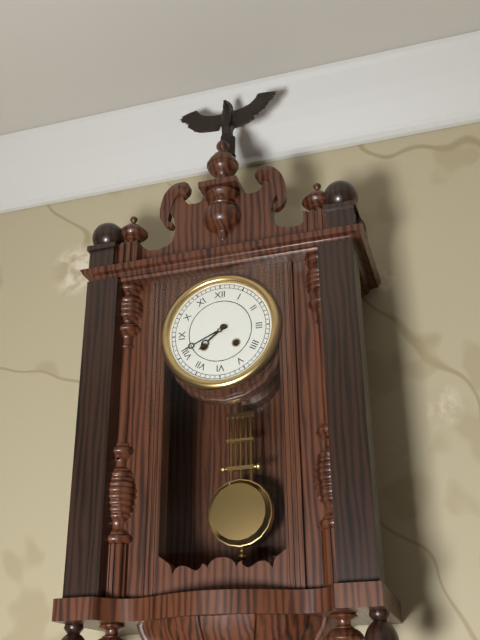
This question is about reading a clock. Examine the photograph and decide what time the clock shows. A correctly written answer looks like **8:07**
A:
**7:41**
